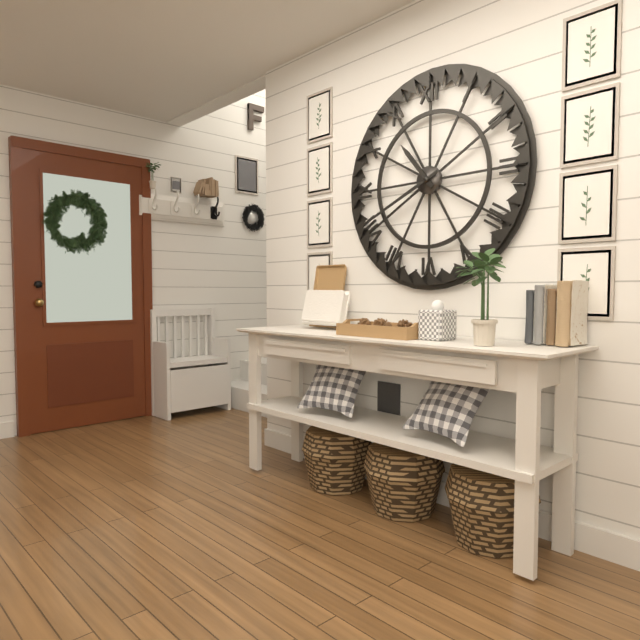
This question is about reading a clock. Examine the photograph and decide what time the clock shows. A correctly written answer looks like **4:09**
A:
**10:41**
